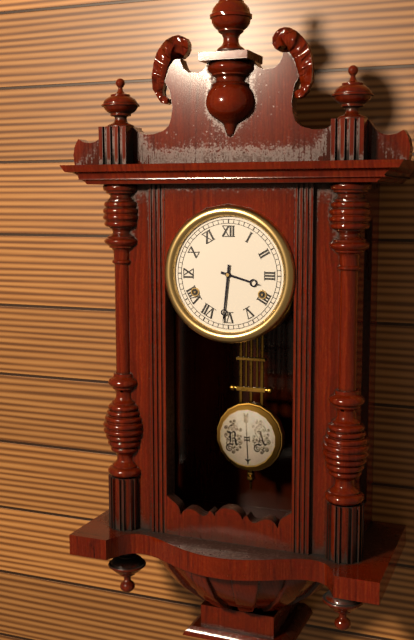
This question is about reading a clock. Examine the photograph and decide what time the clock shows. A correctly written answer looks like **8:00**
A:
**3:31**
